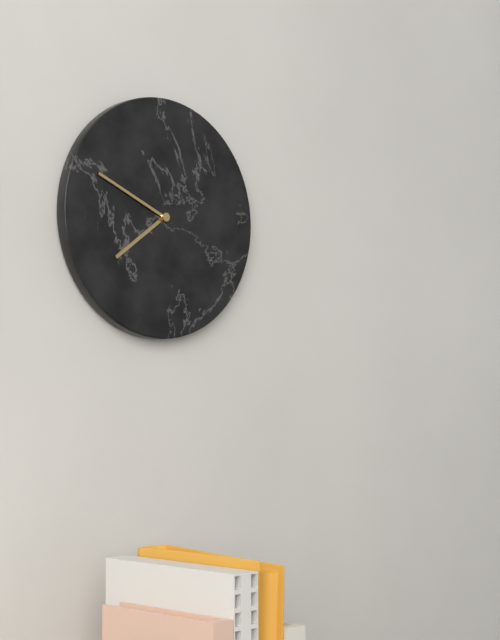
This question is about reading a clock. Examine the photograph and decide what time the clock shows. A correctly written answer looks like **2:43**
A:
**7:49**
